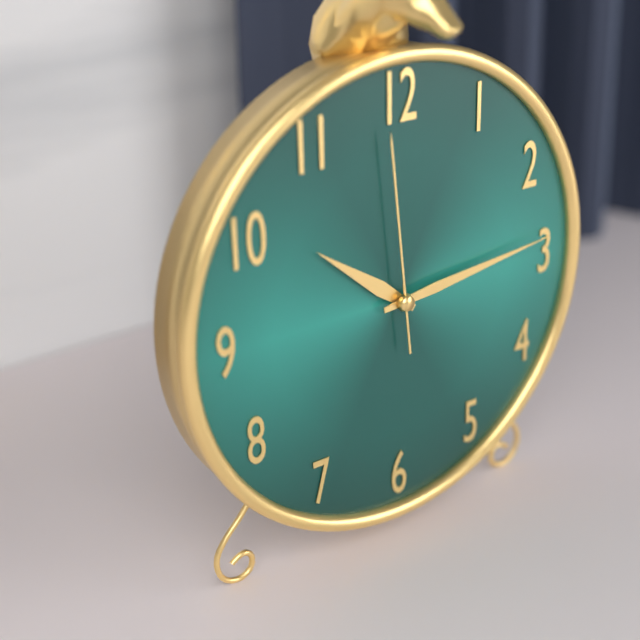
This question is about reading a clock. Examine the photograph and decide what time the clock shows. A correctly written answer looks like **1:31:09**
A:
**10:14:59**
